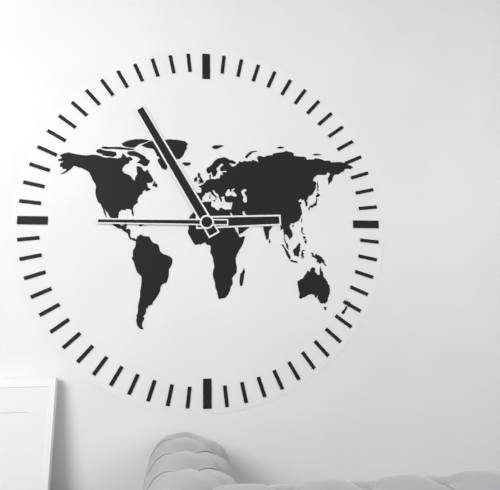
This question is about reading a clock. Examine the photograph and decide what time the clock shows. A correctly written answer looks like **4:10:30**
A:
**2:55:45**
